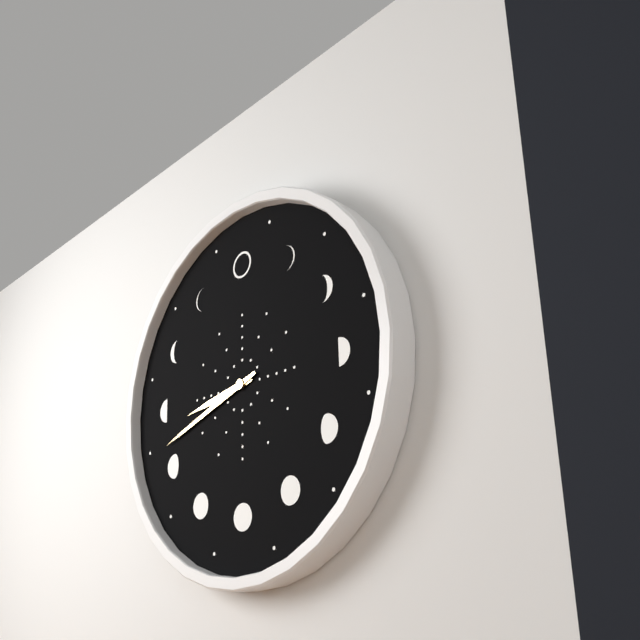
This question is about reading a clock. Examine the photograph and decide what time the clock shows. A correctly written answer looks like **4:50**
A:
**8:42**
